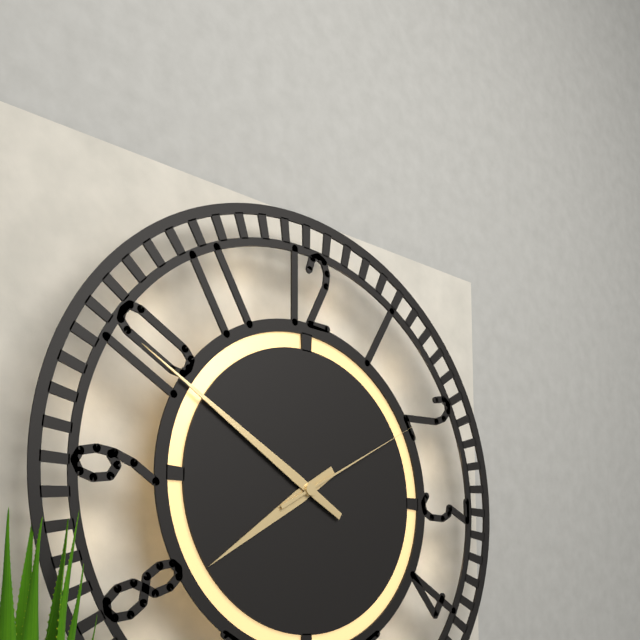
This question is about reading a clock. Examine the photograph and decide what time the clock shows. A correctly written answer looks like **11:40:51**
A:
**7:50:10**
